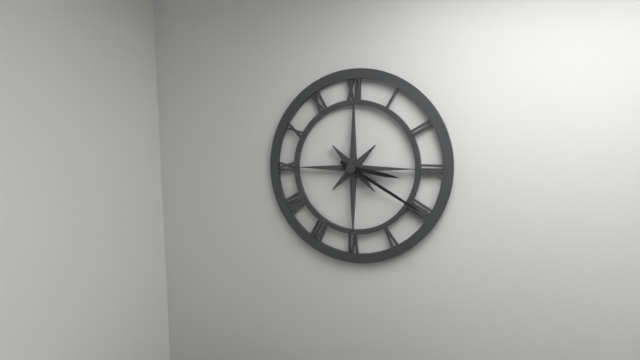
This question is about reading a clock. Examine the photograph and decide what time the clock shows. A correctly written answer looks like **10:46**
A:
**3:20**
